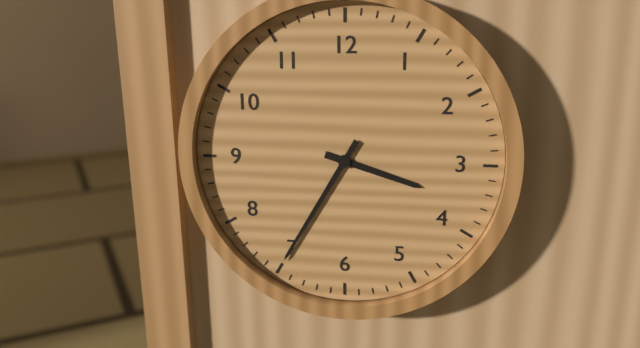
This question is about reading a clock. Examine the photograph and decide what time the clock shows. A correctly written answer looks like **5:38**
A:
**3:35**
